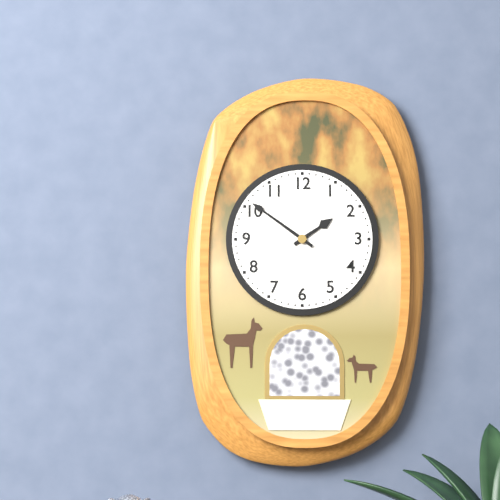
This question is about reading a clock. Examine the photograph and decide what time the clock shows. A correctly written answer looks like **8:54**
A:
**1:51**
